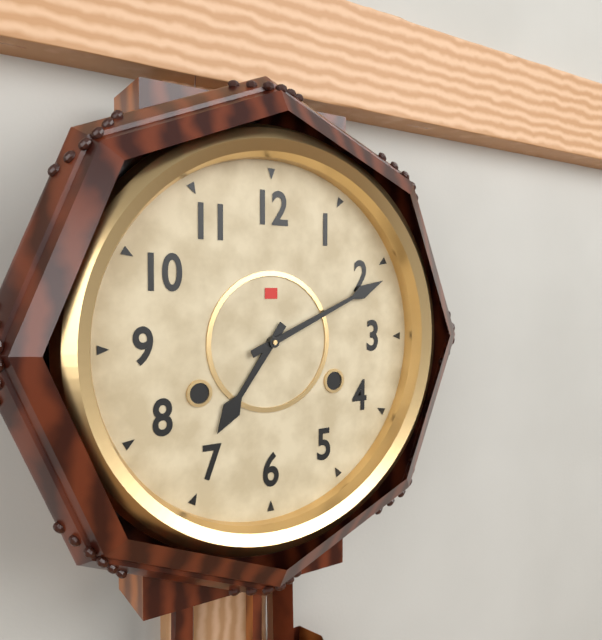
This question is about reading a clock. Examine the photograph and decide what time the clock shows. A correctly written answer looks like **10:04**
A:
**7:11**
